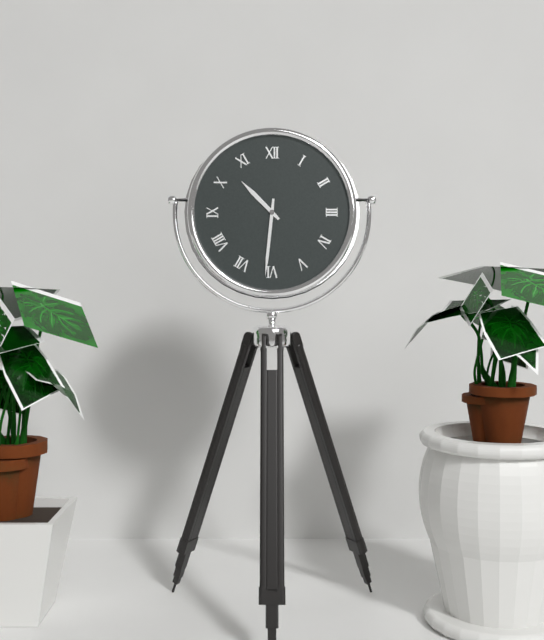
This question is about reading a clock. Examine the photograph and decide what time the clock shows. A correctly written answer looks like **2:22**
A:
**10:31**
